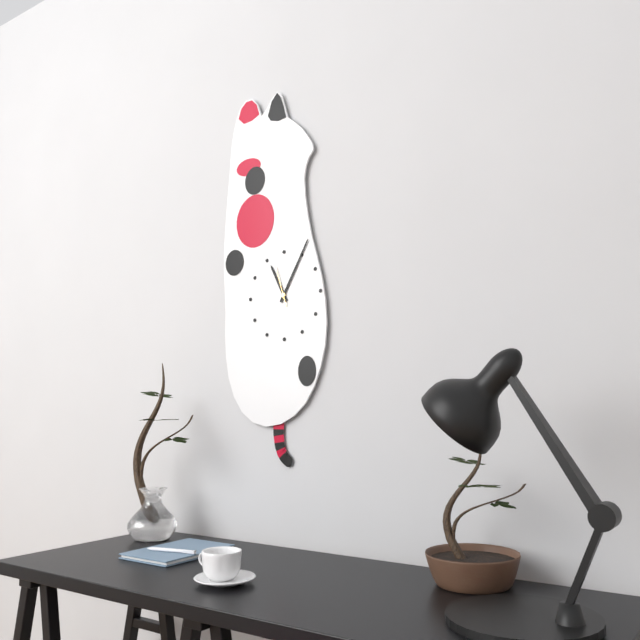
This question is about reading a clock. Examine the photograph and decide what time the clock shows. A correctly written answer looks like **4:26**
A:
**11:05**
